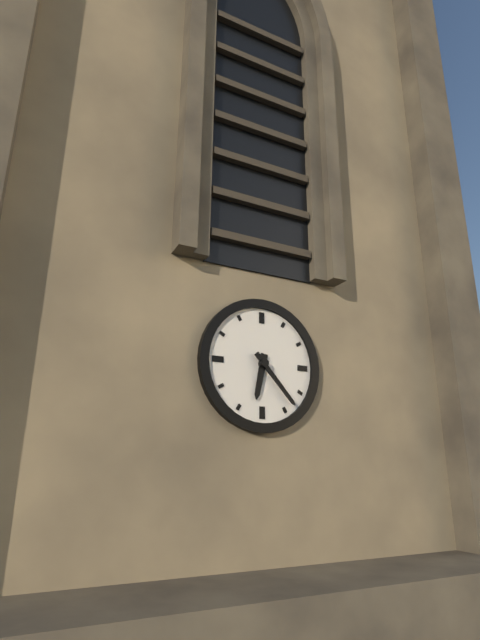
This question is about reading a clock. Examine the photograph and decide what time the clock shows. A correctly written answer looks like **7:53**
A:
**6:23**
